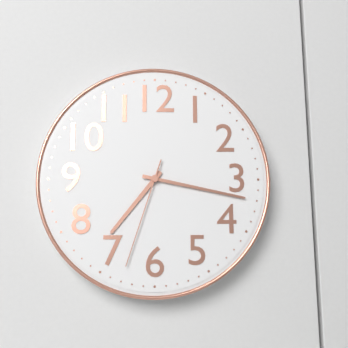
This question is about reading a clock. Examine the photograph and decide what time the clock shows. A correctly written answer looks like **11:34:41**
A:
**7:17:33**
